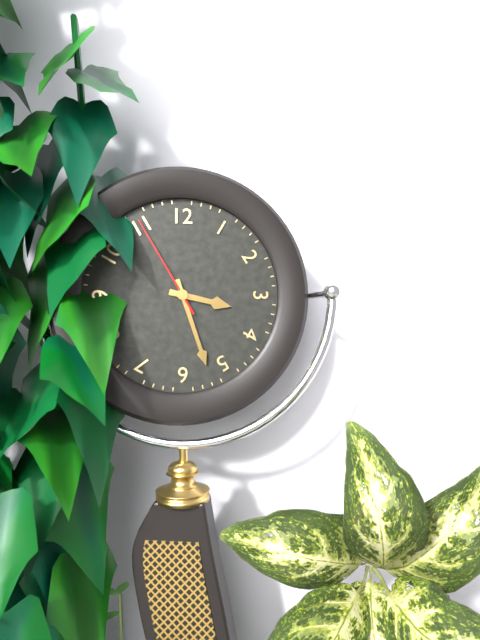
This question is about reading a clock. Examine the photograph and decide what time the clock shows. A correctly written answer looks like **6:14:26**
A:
**3:27:55**
